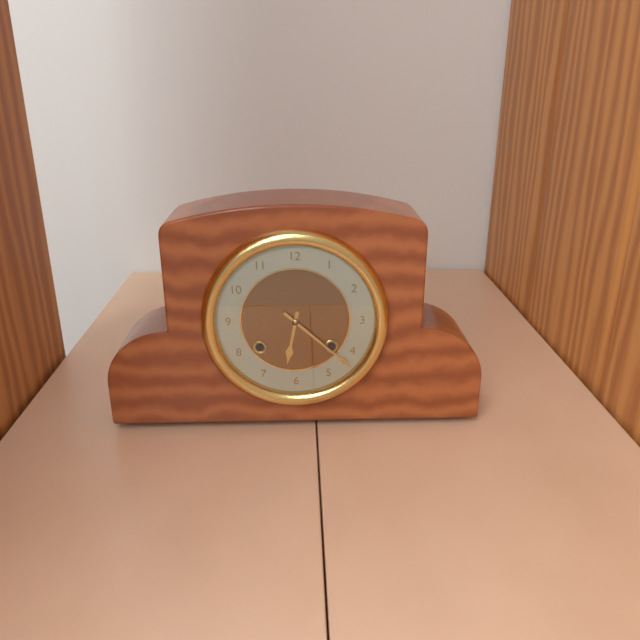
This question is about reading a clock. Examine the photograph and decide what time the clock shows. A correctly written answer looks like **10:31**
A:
**6:22**
